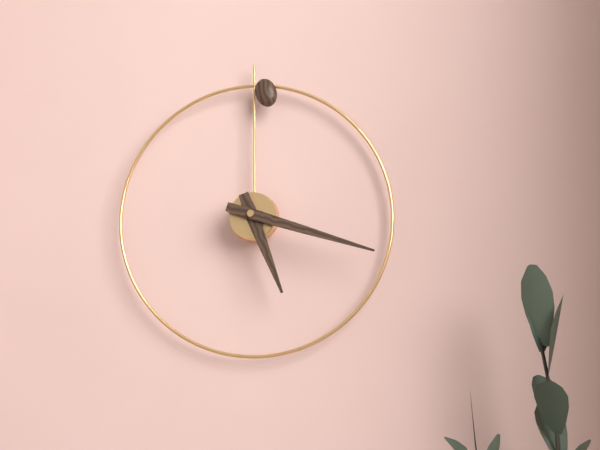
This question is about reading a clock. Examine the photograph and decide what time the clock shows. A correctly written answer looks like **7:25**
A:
**5:18**
